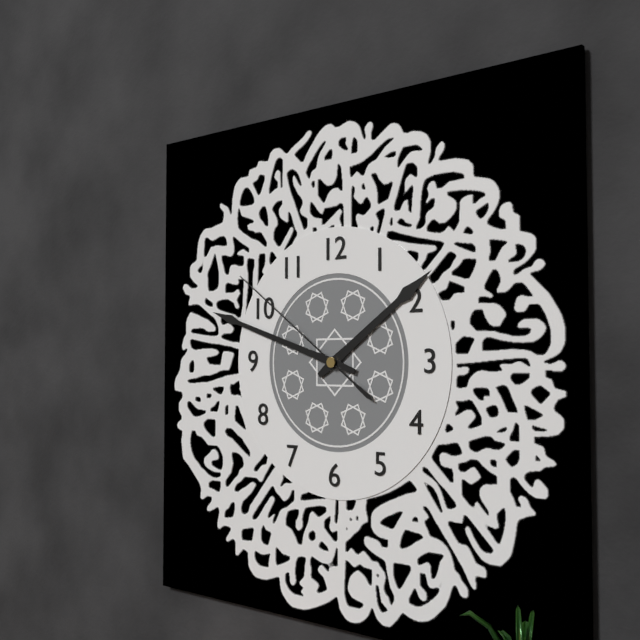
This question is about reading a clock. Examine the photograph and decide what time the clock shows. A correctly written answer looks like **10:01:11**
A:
**1:48:51**
